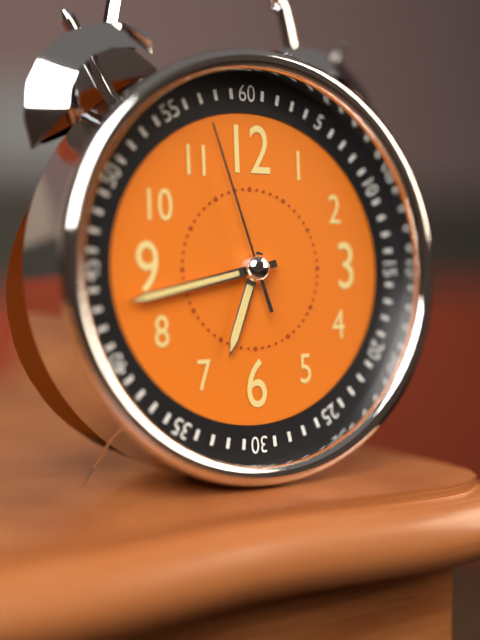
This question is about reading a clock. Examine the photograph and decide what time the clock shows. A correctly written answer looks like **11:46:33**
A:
**6:43:57**
